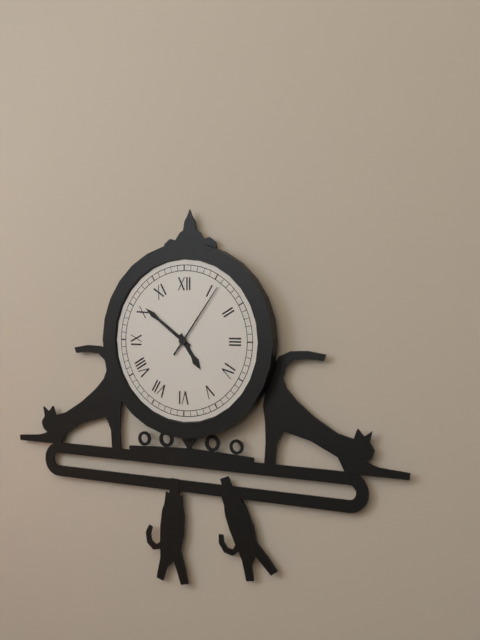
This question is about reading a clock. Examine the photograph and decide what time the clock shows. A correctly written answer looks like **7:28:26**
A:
**4:51:06**
